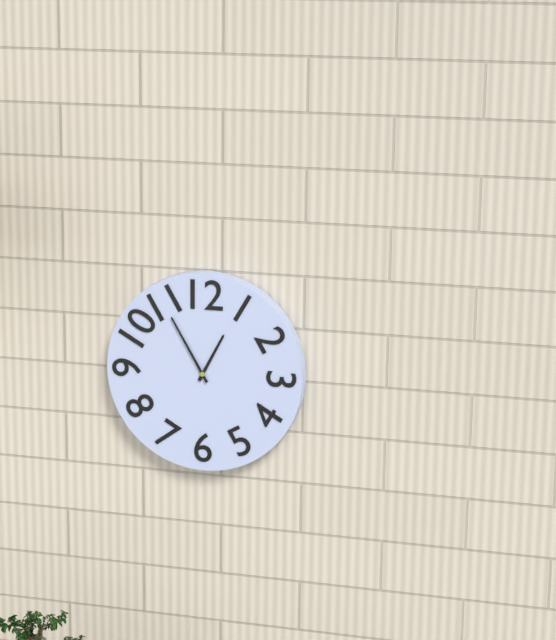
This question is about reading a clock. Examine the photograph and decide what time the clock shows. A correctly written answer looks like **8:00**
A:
**12:55**
